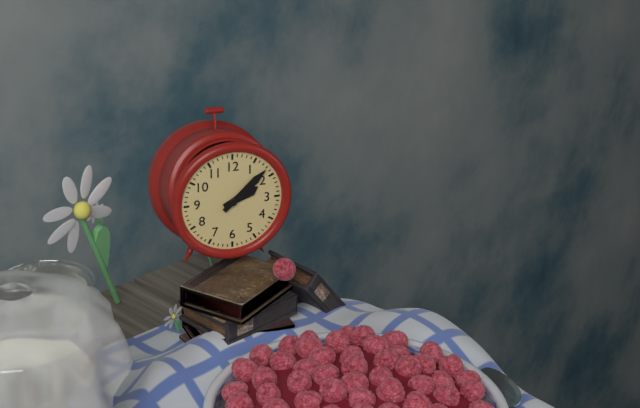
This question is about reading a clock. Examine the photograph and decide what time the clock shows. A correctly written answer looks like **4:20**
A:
**2:08**
